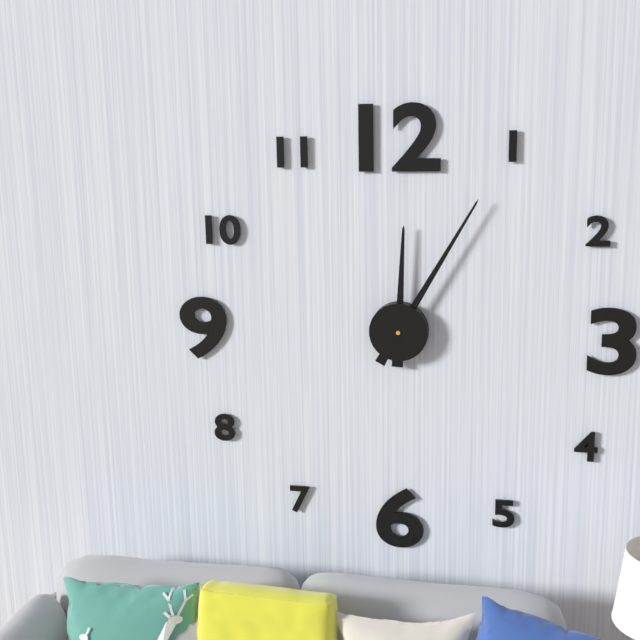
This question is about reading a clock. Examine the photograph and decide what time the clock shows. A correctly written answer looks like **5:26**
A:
**12:05**
